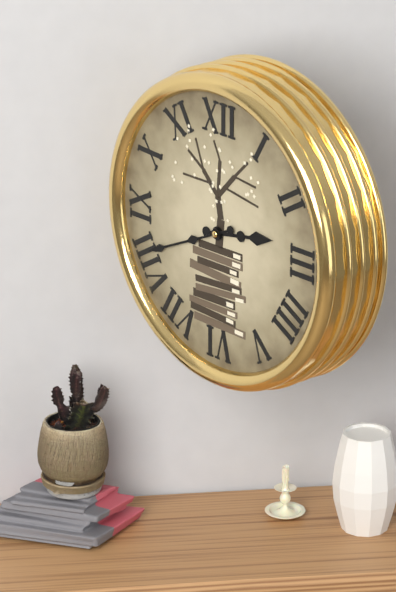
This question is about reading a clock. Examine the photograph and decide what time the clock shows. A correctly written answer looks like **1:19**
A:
**2:41**
